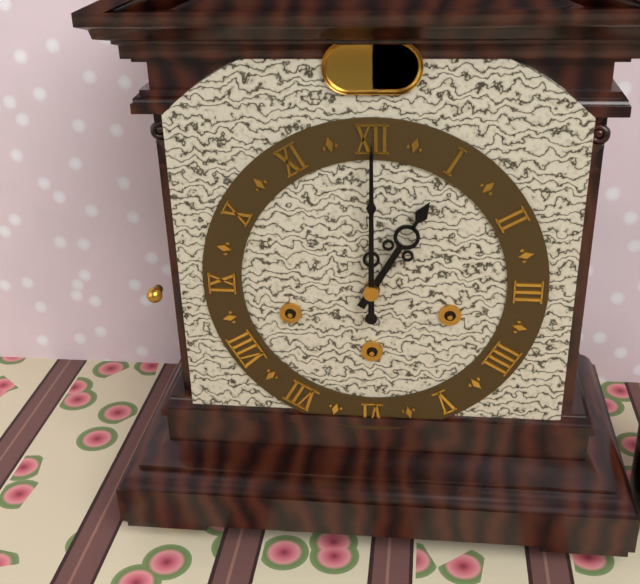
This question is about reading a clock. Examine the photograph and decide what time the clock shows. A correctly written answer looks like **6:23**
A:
**1:00**
